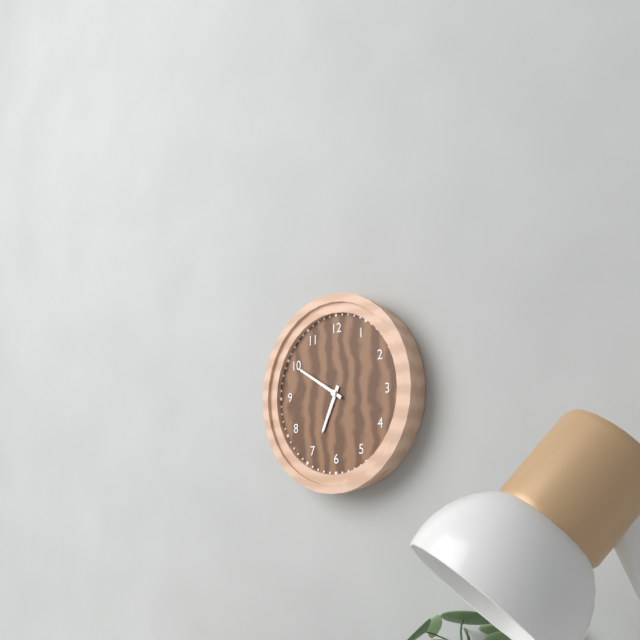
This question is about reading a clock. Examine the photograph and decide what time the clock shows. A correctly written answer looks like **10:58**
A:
**6:50**
